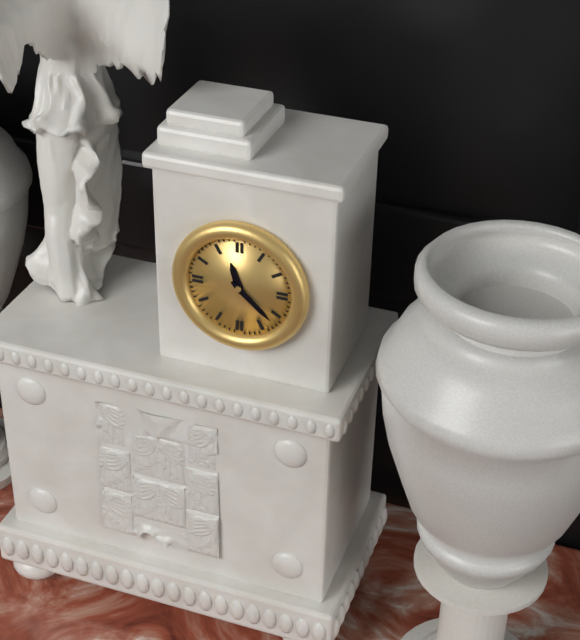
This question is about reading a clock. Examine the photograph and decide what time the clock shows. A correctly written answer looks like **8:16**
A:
**11:22**
